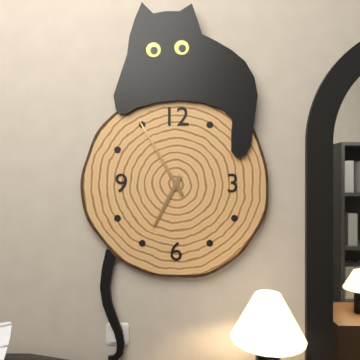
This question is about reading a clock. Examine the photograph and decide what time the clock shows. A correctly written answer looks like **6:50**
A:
**6:55**
